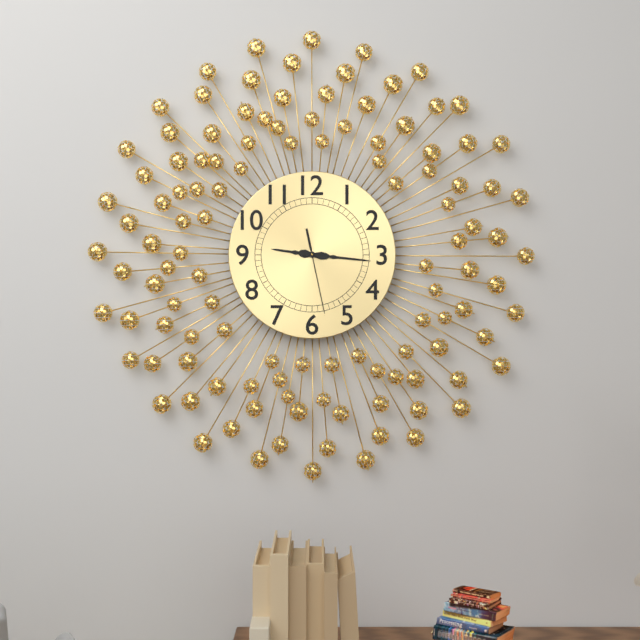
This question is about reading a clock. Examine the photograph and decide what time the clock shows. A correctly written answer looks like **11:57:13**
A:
**9:16:28**
